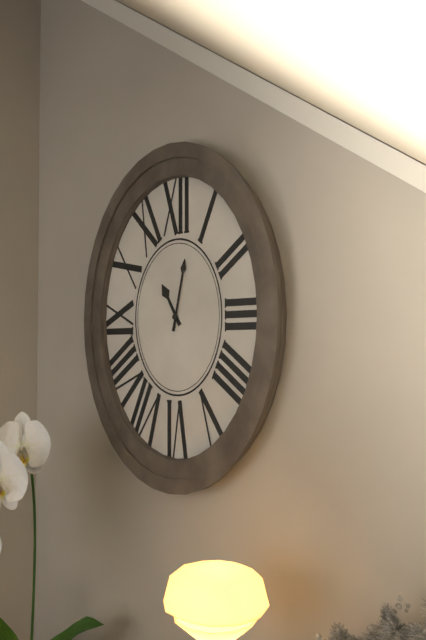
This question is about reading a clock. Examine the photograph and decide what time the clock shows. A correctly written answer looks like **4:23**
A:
**11:02**
